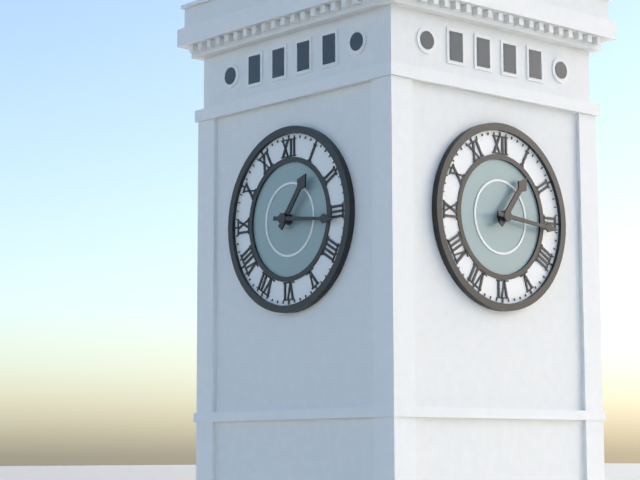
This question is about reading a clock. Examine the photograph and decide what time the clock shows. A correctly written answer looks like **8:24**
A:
**1:16**
